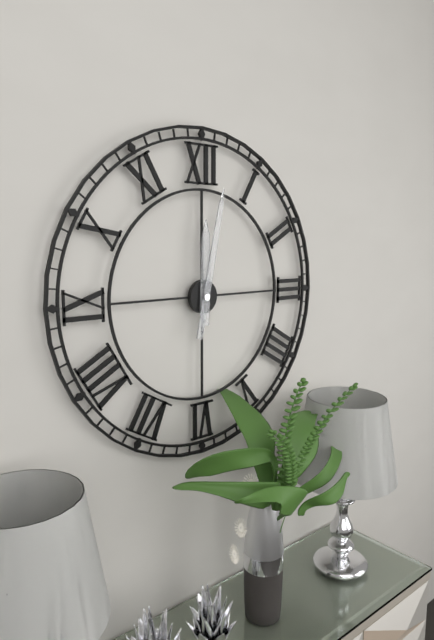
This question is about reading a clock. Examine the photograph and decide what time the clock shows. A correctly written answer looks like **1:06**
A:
**12:02**
